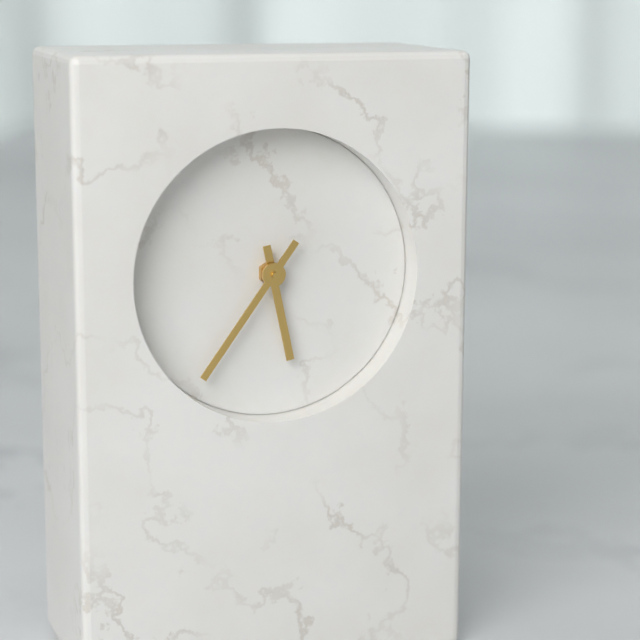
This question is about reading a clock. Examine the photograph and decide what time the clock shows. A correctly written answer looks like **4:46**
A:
**5:36**
